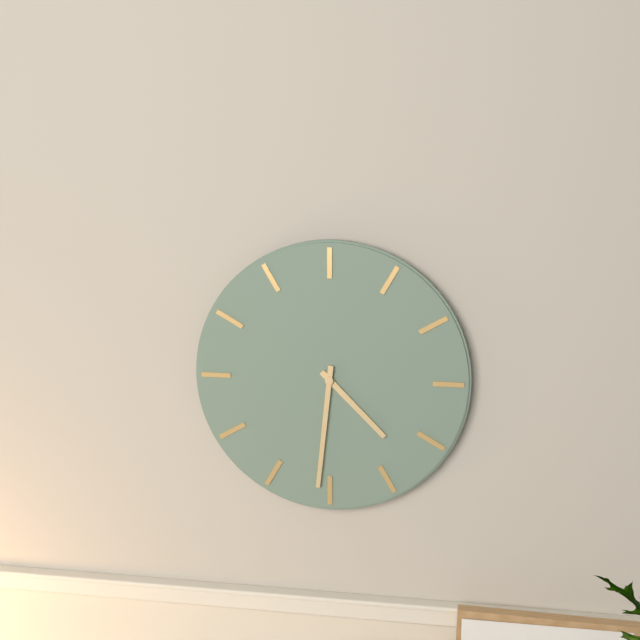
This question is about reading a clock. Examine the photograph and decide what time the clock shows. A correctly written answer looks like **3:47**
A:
**4:31**
